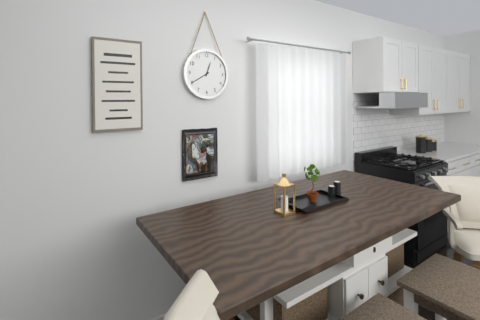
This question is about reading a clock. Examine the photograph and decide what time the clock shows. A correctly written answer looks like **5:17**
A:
**12:40**
